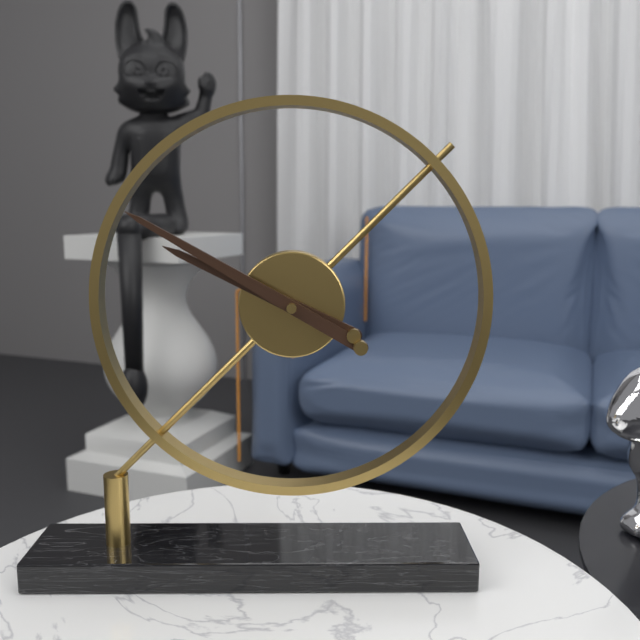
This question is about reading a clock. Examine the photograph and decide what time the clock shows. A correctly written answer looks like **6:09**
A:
**9:50**
